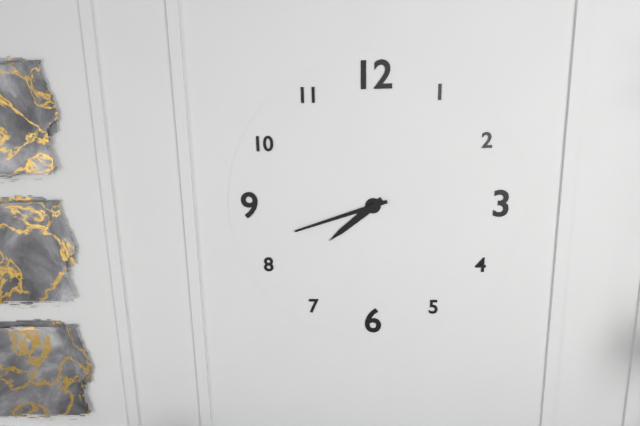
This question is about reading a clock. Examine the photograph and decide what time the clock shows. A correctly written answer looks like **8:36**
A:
**7:42**
